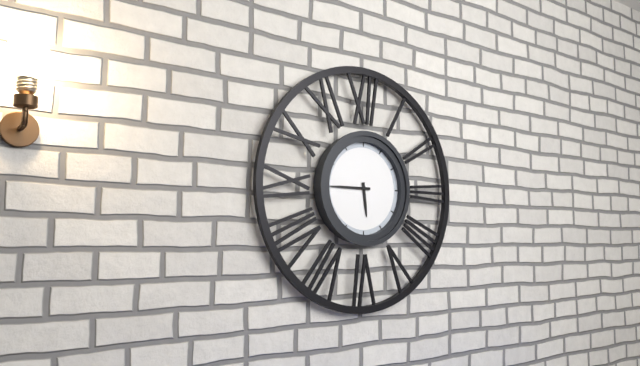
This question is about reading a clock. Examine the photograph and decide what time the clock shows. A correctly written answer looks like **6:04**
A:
**5:45**
